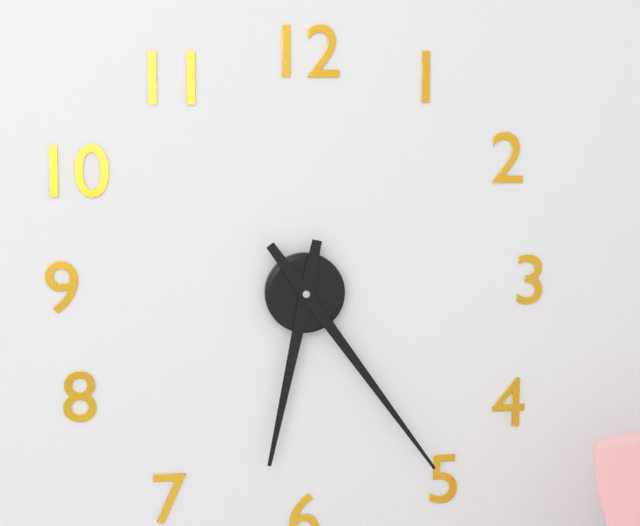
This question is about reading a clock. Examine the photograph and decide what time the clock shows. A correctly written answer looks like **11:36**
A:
**6:24**
